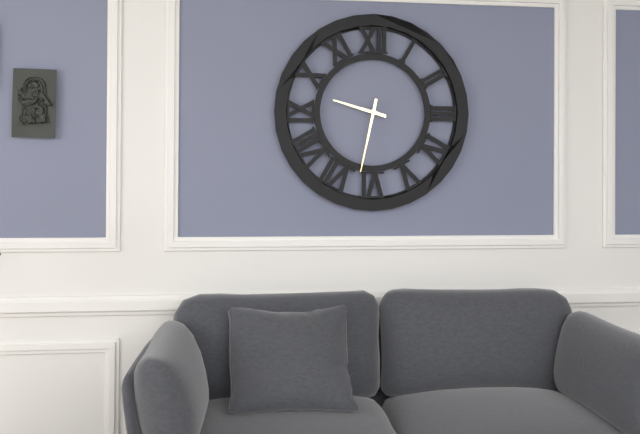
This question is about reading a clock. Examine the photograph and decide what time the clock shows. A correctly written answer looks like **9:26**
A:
**9:32**
